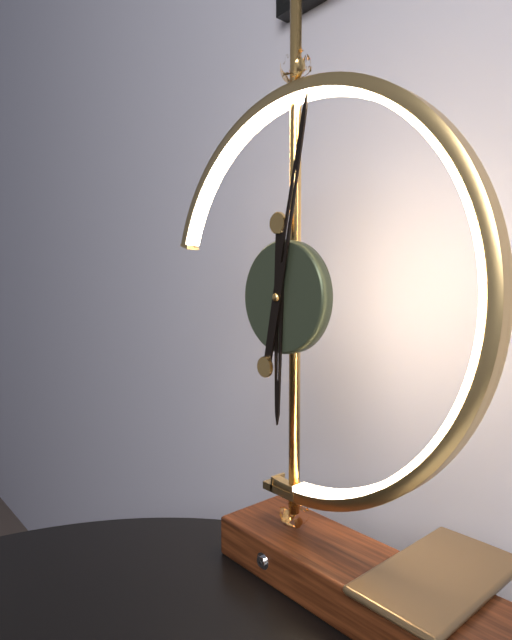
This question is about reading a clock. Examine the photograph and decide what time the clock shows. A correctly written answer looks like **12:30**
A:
**6:02**
